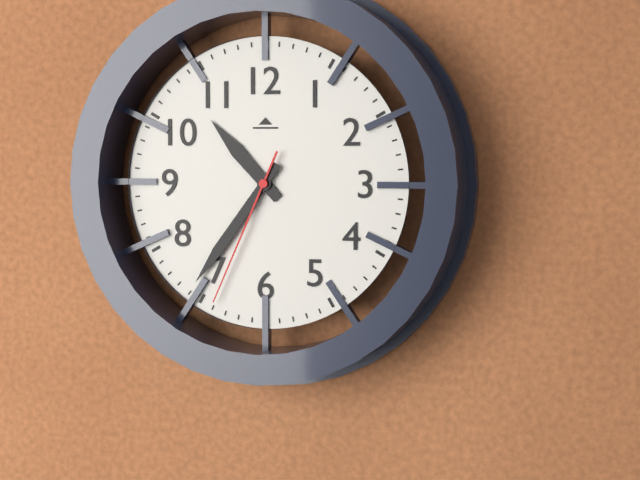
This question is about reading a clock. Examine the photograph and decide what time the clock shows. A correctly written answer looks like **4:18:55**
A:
**10:36:34**
